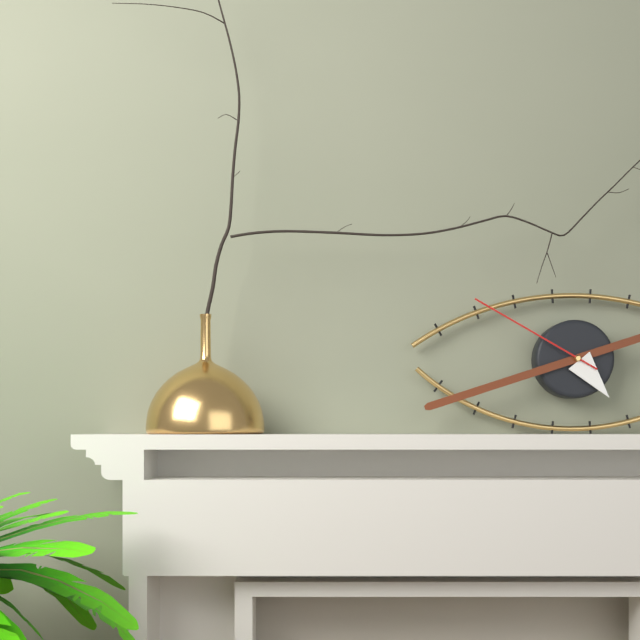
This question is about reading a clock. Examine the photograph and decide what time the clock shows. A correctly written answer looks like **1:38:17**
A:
**4:42:50**
